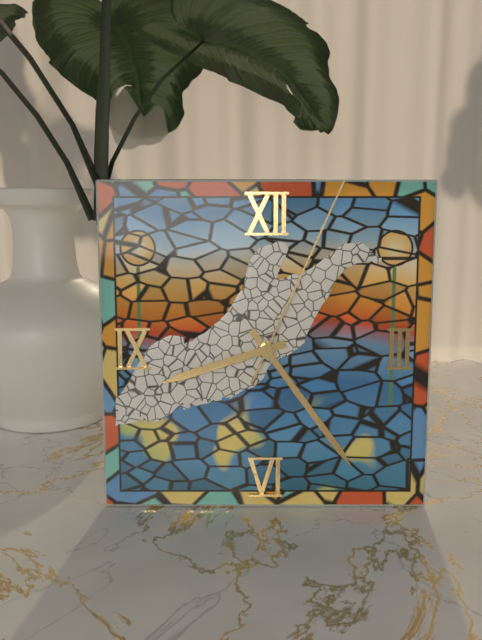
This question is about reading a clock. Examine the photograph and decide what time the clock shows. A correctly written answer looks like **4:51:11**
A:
**8:24:04**
